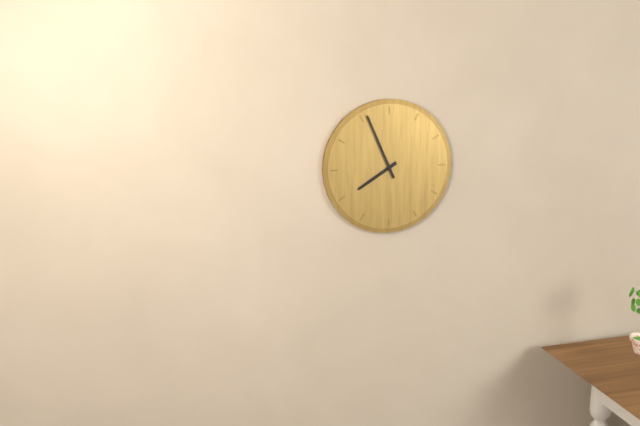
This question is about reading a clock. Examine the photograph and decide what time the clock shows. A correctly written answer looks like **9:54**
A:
**7:56**
